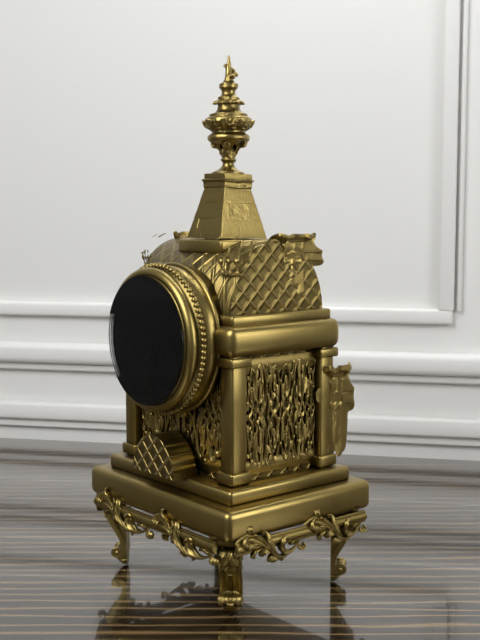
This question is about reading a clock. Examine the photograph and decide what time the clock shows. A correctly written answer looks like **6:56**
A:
**7:25**
